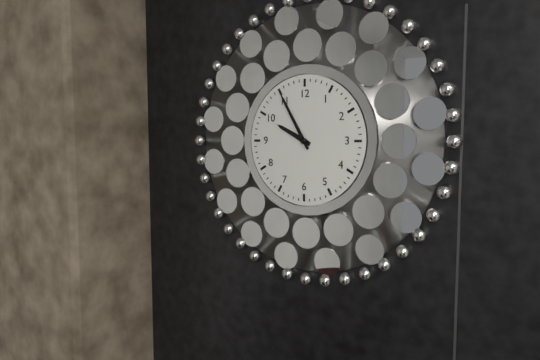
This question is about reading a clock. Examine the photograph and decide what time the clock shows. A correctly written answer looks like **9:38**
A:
**9:55**
